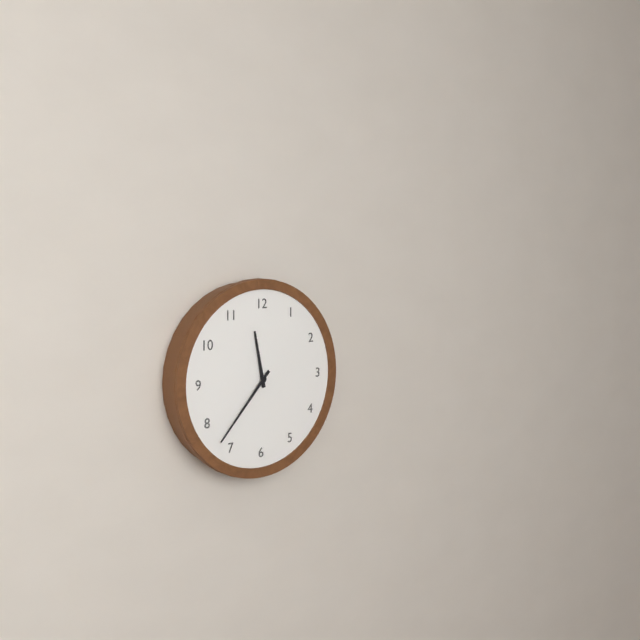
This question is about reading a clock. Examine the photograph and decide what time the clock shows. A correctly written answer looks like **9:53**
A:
**11:37**
